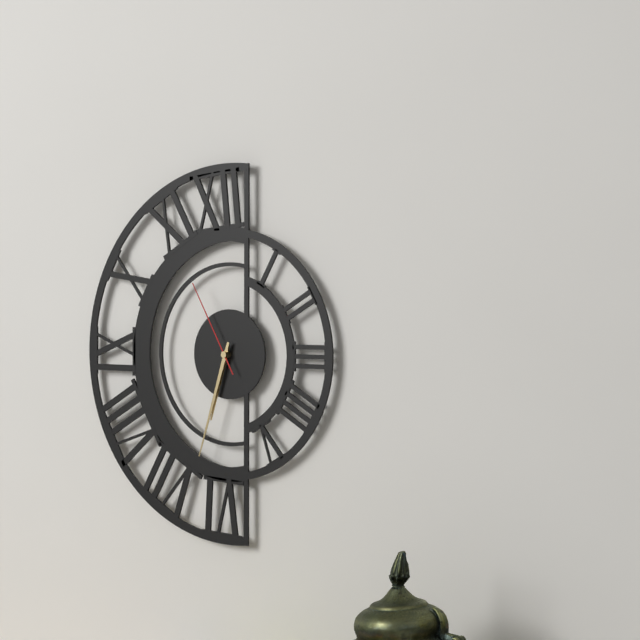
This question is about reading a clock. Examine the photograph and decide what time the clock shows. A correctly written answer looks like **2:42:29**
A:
**6:33:55**
